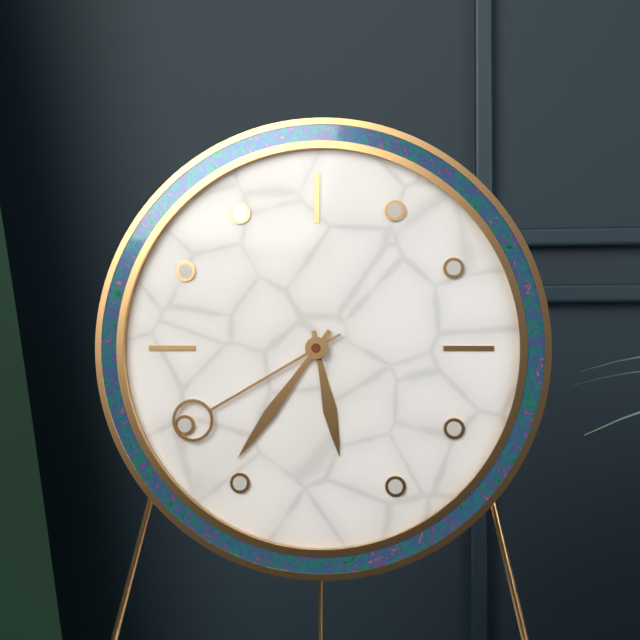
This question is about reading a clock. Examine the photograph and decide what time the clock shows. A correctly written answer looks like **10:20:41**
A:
**5:36:40**
